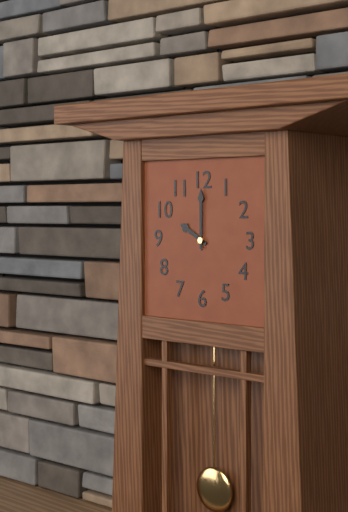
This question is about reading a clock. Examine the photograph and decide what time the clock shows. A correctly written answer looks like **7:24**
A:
**10:00**
